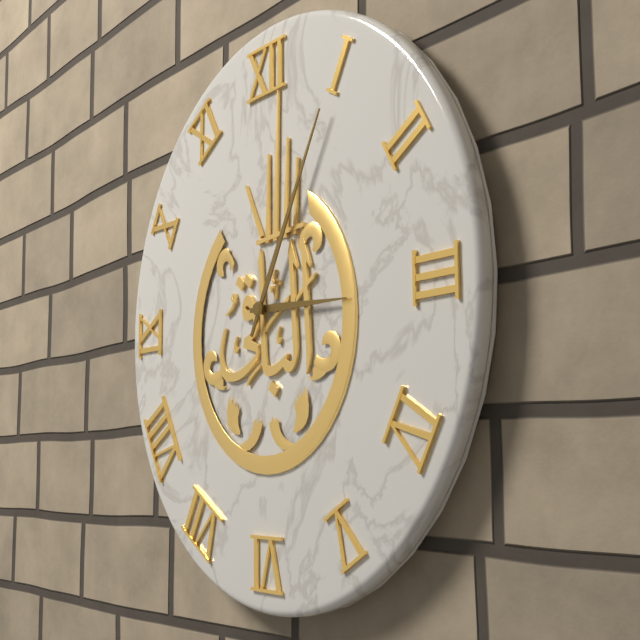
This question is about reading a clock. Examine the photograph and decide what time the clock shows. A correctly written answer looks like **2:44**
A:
**3:05**
